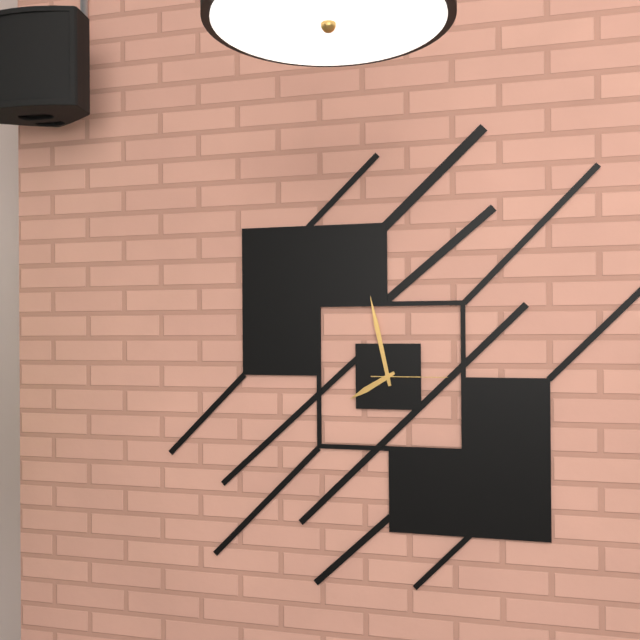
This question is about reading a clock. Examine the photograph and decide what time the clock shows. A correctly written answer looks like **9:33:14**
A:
**7:58:15**
